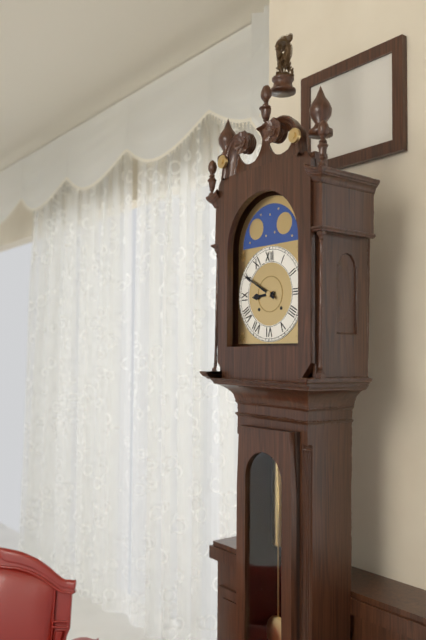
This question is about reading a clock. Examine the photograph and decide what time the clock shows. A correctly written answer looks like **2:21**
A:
**8:50**
